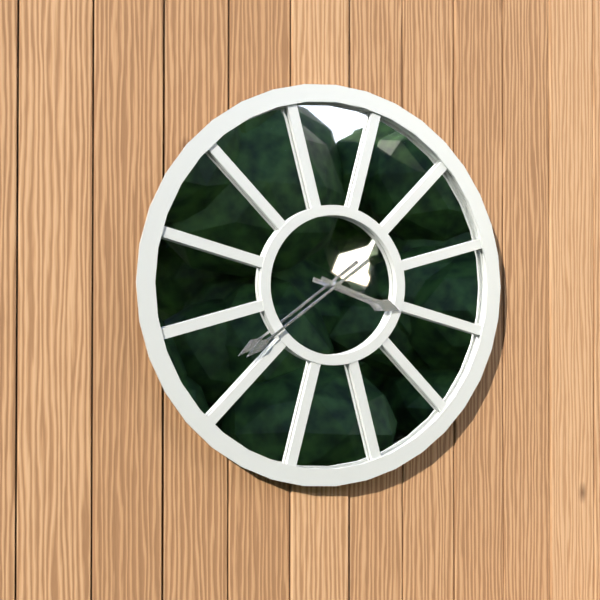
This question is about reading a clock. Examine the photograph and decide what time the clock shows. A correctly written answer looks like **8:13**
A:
**3:39**
